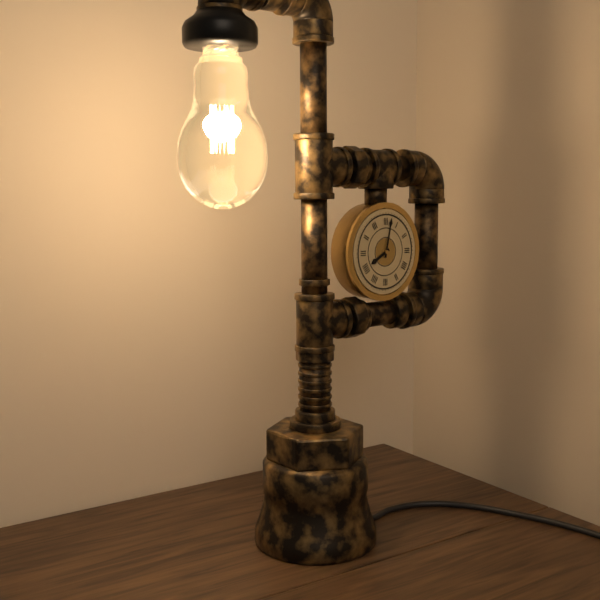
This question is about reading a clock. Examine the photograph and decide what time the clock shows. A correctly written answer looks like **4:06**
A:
**8:02**
